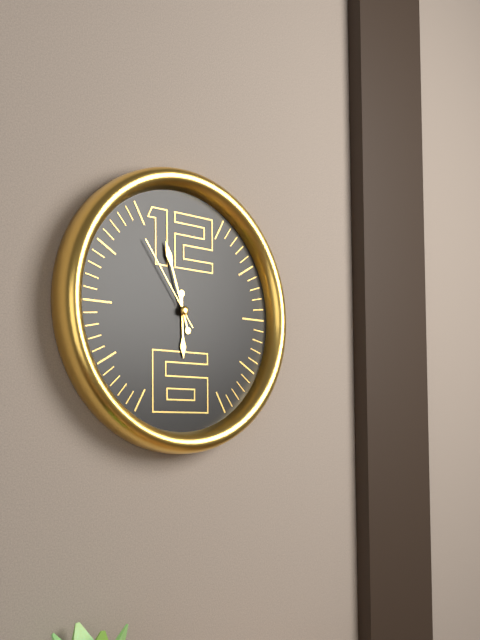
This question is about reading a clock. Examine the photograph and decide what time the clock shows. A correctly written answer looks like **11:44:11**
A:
**5:57:54**
